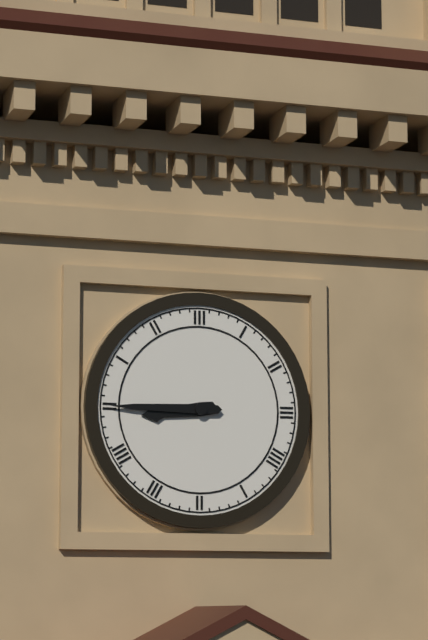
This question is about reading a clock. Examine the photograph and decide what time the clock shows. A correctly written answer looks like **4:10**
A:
**8:45**
